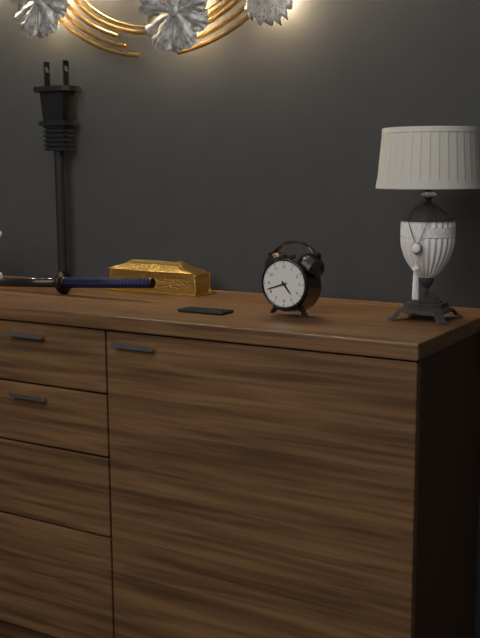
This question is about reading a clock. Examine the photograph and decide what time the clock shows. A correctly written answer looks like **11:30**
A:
**4:42**
